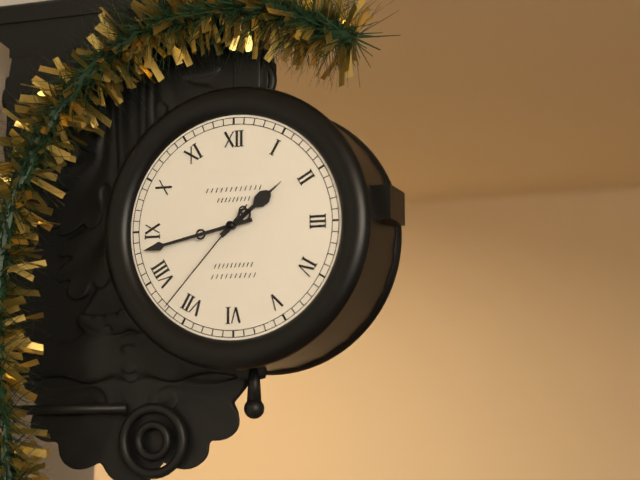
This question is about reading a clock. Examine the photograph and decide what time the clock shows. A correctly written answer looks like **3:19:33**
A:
**1:43:37**
